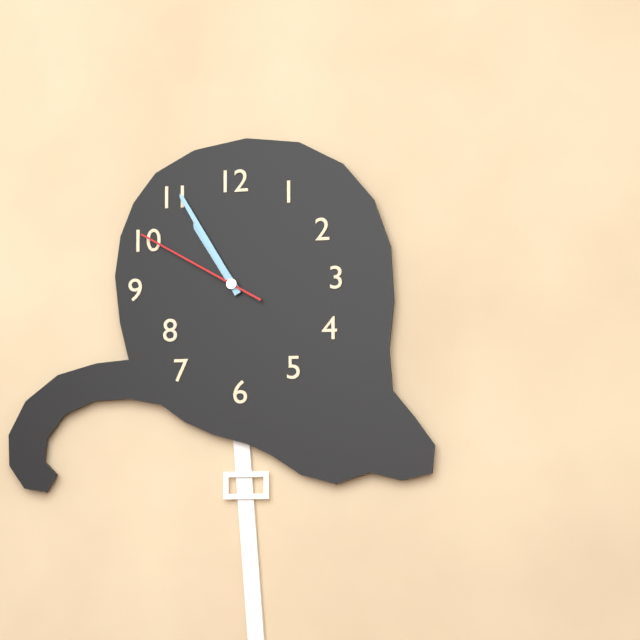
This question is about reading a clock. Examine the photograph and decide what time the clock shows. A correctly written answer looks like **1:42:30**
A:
**10:55:50**
